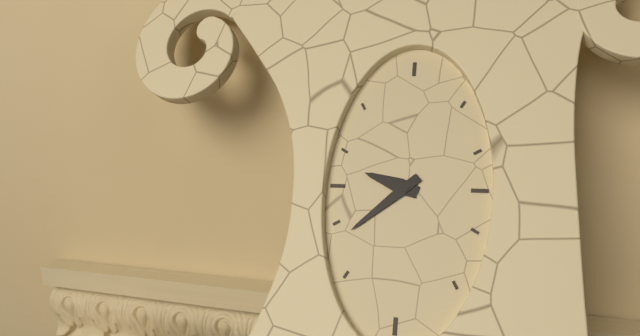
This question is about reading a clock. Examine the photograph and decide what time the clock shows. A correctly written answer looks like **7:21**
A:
**9:38**
